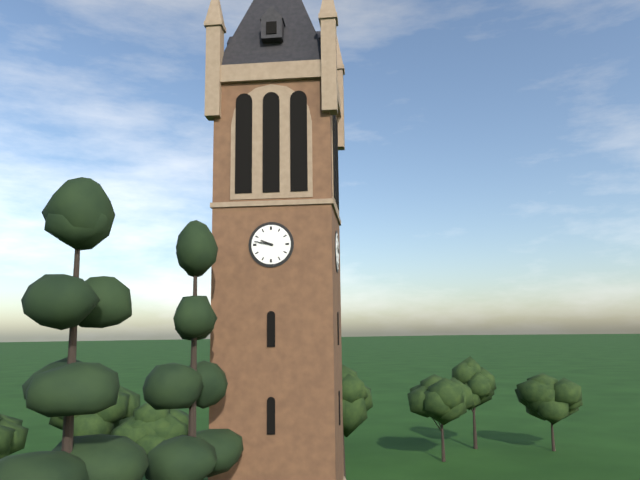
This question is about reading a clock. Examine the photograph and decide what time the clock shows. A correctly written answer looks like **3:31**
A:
**9:47**
